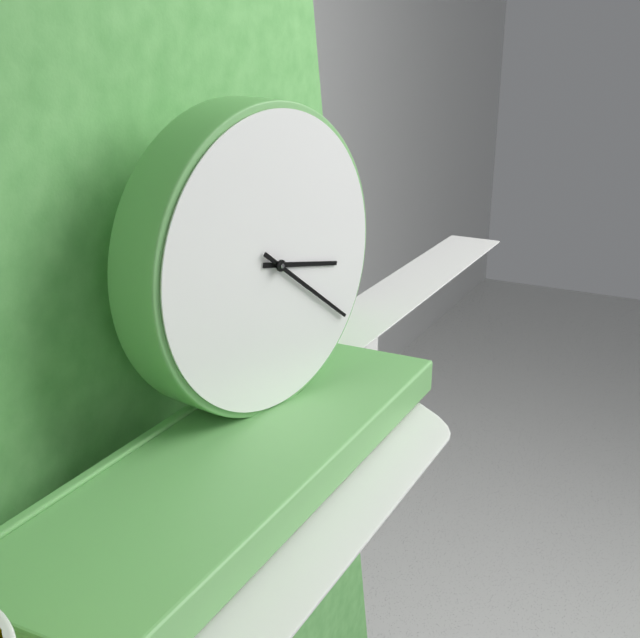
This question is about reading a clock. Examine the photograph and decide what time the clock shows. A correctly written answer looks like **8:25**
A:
**3:21**
